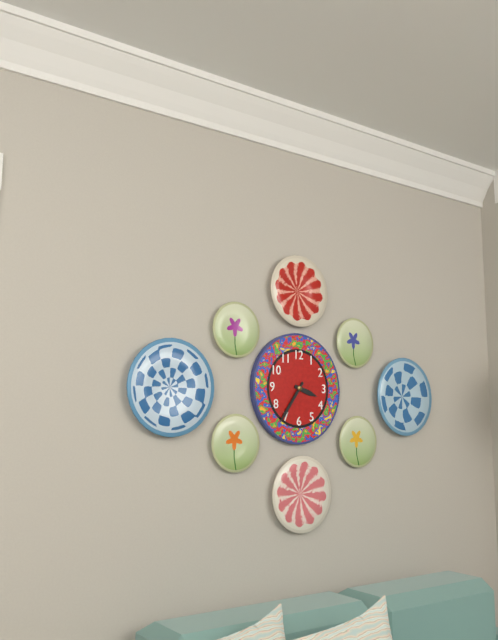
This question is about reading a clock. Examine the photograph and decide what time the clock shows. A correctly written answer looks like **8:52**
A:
**3:36**
